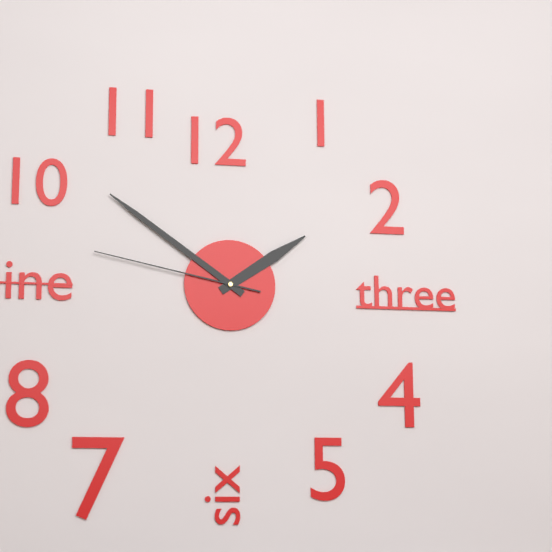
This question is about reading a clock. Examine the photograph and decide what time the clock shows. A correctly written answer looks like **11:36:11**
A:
**1:51:47**
